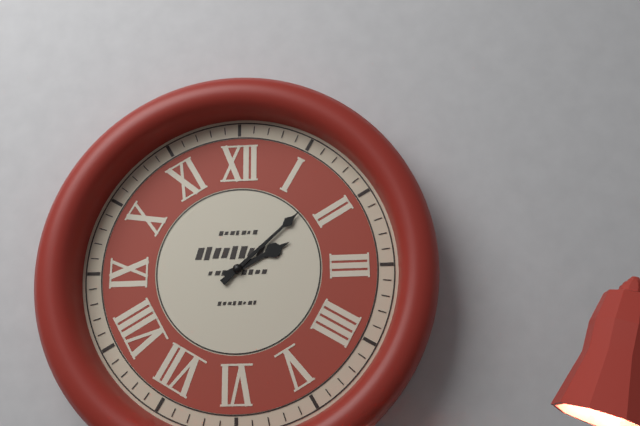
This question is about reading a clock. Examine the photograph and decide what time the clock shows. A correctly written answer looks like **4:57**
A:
**2:08**
